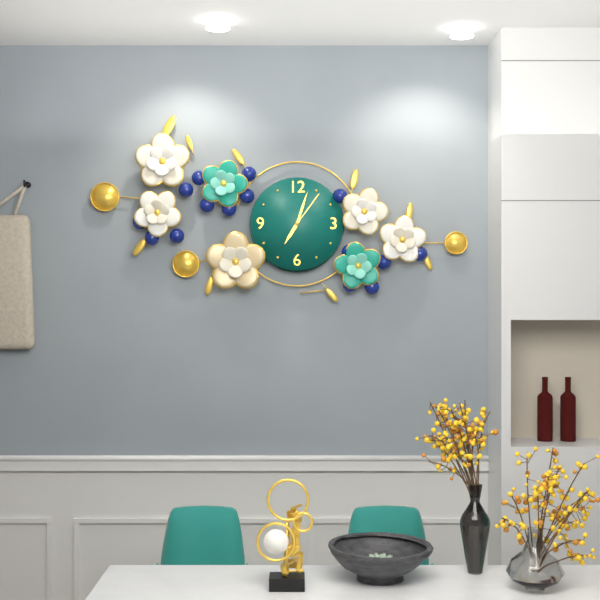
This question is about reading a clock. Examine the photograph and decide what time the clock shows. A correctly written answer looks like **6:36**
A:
**7:03**
